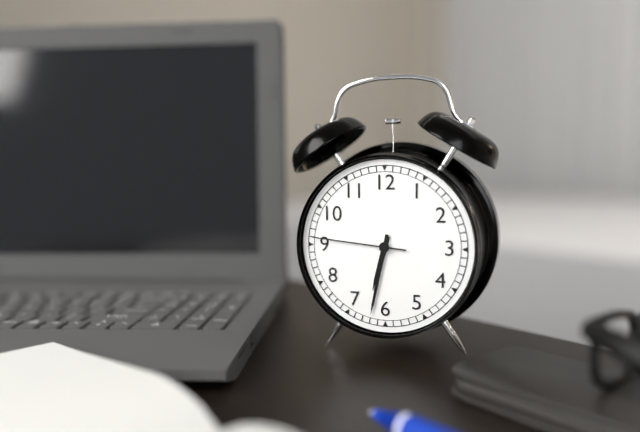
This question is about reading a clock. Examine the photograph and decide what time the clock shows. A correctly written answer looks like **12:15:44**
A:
**6:32:46**
